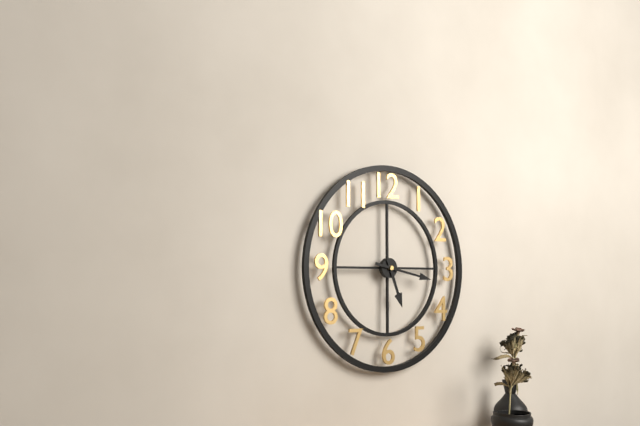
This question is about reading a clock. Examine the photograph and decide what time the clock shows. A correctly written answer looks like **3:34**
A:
**5:17**
